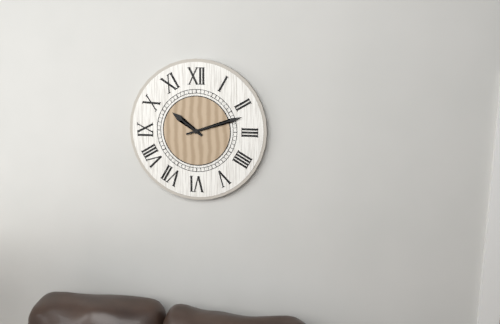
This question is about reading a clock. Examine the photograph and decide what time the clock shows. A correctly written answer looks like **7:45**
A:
**10:12**
